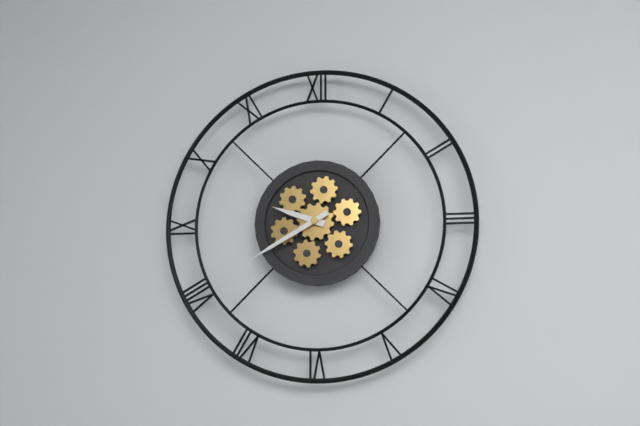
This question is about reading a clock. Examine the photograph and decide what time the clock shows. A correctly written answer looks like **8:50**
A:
**9:40**
